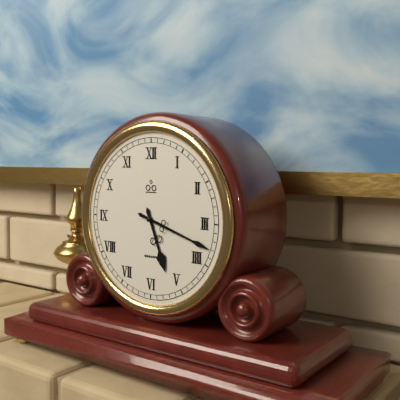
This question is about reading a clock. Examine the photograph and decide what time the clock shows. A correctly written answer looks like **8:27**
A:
**5:18**
